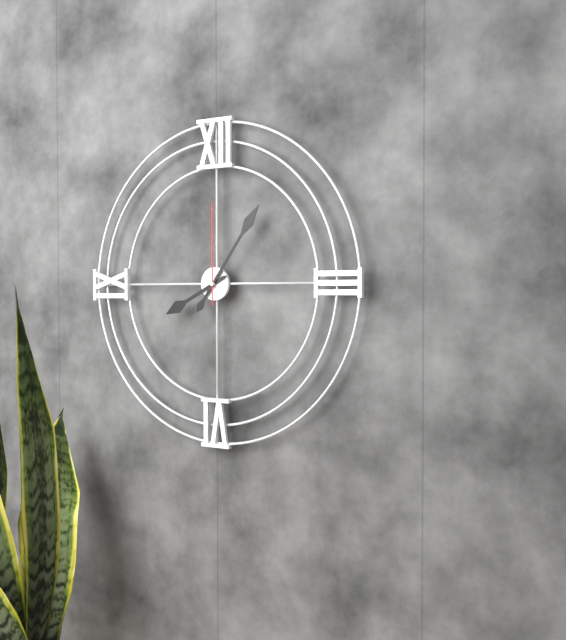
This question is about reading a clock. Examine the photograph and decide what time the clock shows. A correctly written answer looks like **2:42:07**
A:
**8:06:00**
